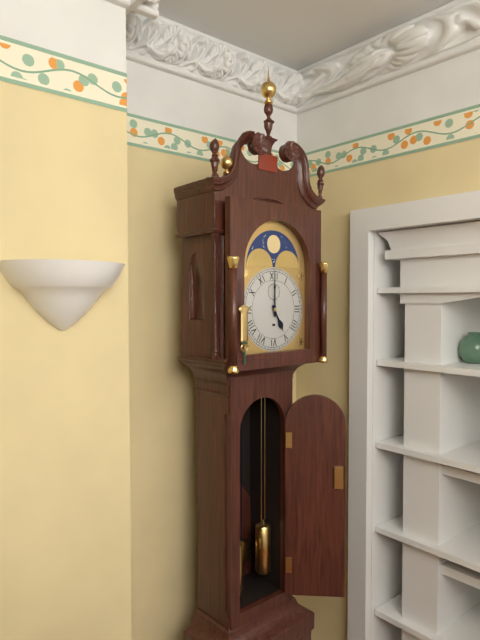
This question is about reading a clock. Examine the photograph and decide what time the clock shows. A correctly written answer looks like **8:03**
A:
**5:00**
